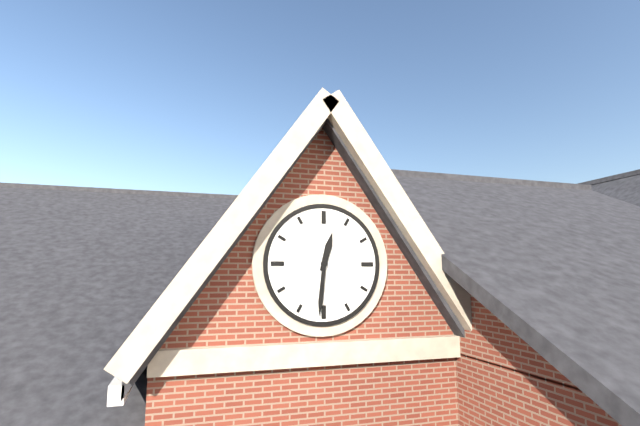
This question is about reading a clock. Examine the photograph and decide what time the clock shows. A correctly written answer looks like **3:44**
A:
**12:31**
